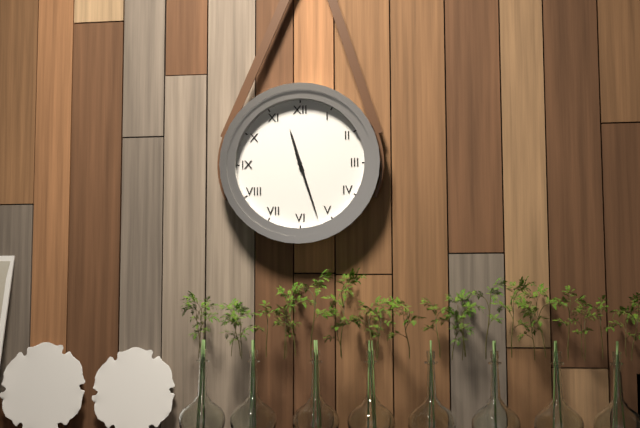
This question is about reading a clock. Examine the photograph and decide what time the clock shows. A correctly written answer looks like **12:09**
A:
**11:27**
